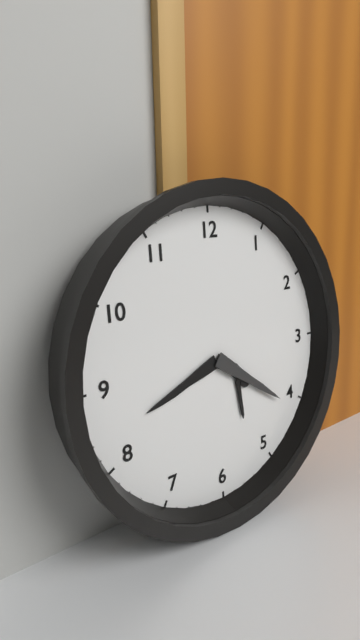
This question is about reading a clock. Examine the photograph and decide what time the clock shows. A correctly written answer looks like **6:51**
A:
**8:21**
